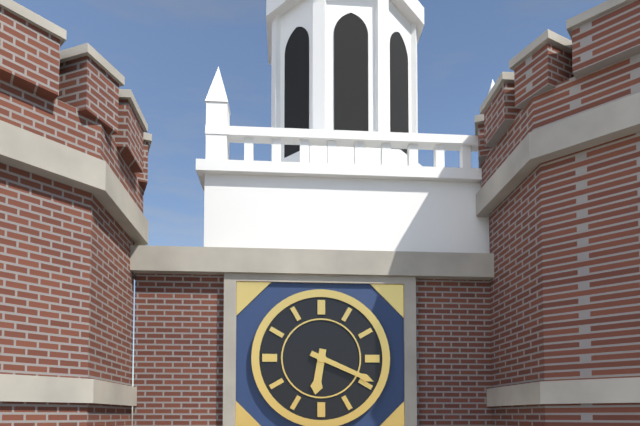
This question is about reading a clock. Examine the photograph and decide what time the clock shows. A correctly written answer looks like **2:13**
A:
**6:19**
